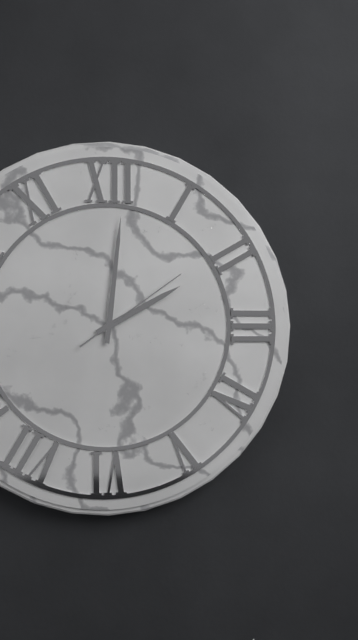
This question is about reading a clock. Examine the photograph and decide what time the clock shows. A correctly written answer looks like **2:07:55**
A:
**2:01:09**
